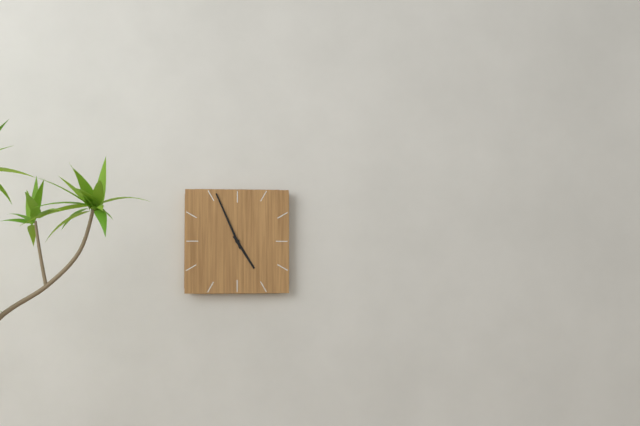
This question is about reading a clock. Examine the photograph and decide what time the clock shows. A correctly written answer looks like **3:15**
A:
**4:56**
